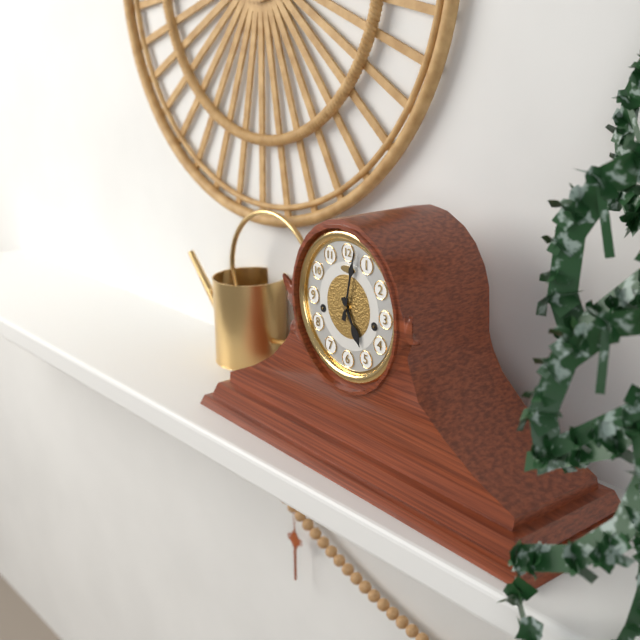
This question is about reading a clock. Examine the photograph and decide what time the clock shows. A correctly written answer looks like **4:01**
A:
**5:02**
